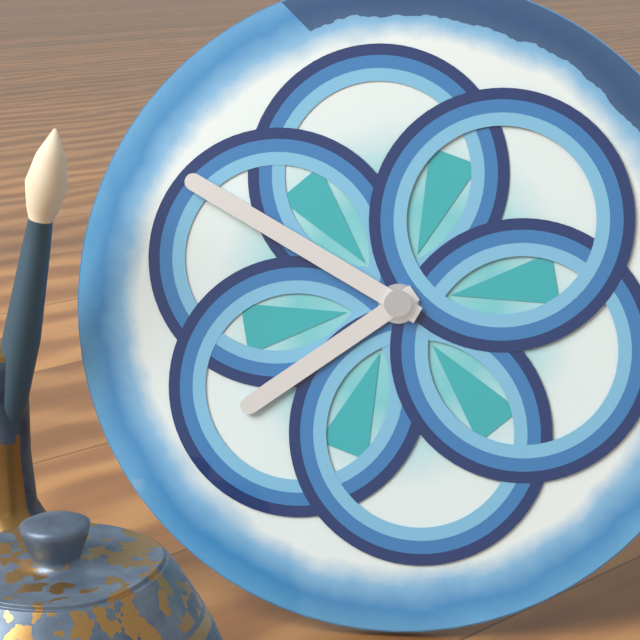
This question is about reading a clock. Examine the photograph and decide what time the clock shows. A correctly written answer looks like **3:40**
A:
**7:50**
